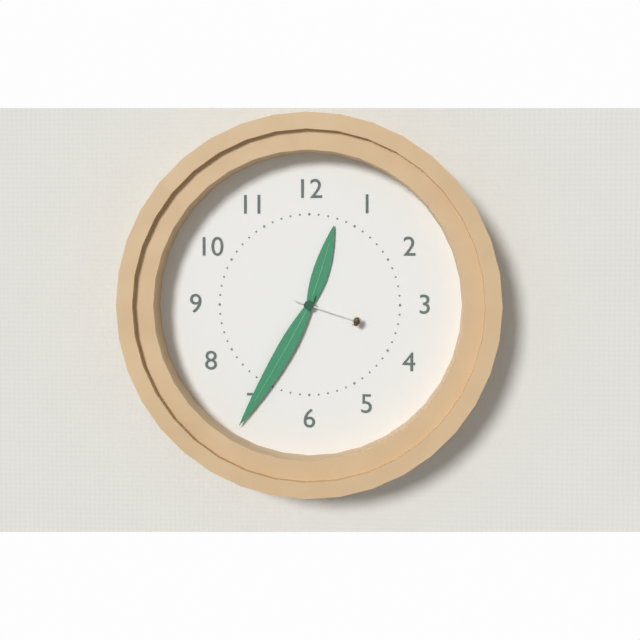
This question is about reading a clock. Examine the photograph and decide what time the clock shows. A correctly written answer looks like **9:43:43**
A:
**12:35:18**
